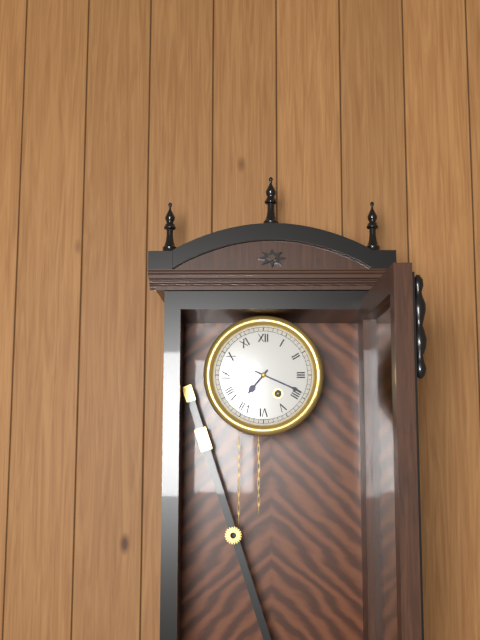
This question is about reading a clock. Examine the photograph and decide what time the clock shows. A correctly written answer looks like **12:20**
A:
**7:19**
